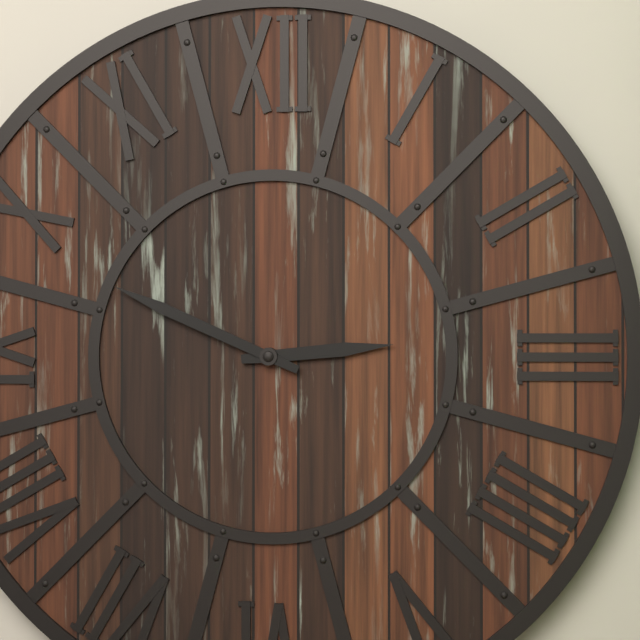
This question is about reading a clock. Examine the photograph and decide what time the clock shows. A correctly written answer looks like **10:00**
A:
**2:49**
